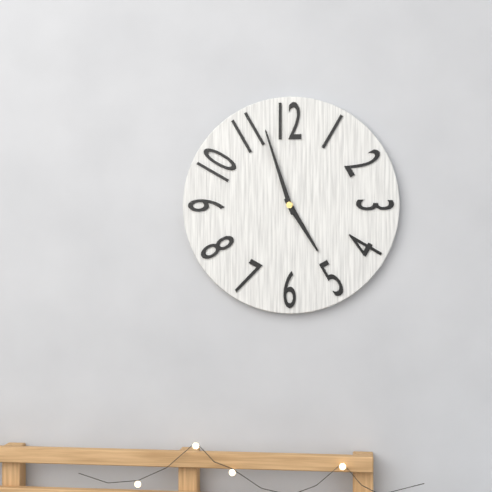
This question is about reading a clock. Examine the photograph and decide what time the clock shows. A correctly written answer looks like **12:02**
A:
**4:57**
